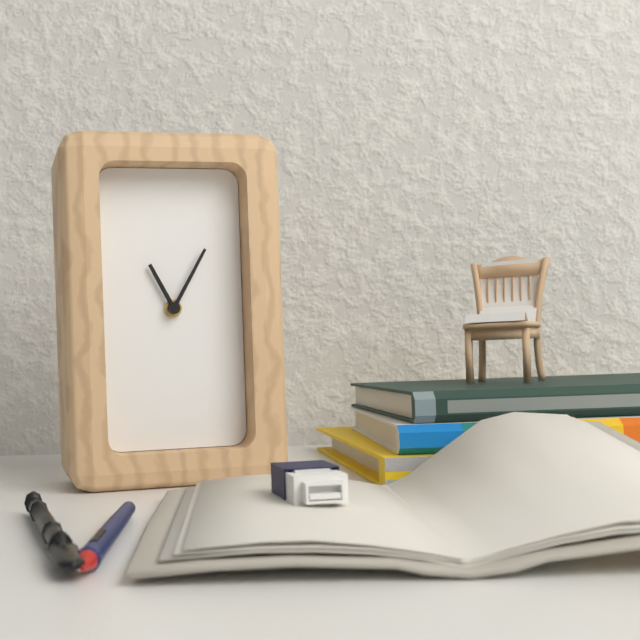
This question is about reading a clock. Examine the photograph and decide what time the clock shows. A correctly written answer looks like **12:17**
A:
**11:05**
